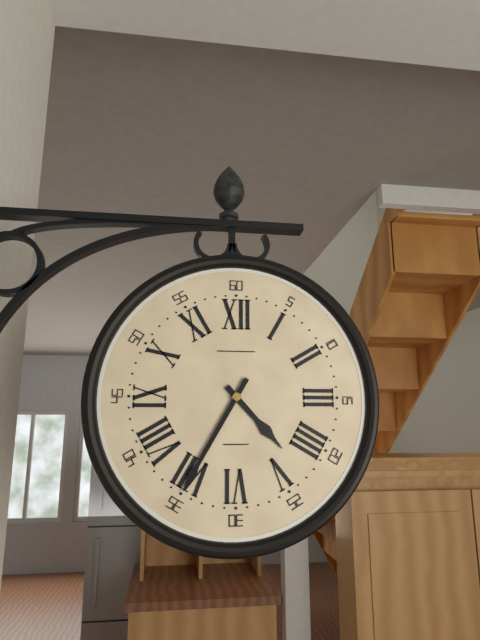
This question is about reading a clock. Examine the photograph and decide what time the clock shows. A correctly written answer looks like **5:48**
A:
**4:35**
